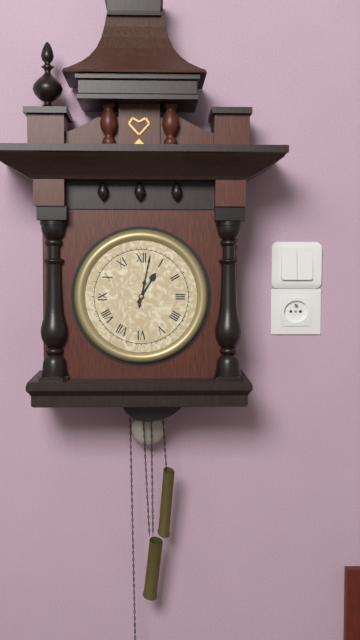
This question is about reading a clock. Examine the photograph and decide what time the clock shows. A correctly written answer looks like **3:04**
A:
**1:02**
